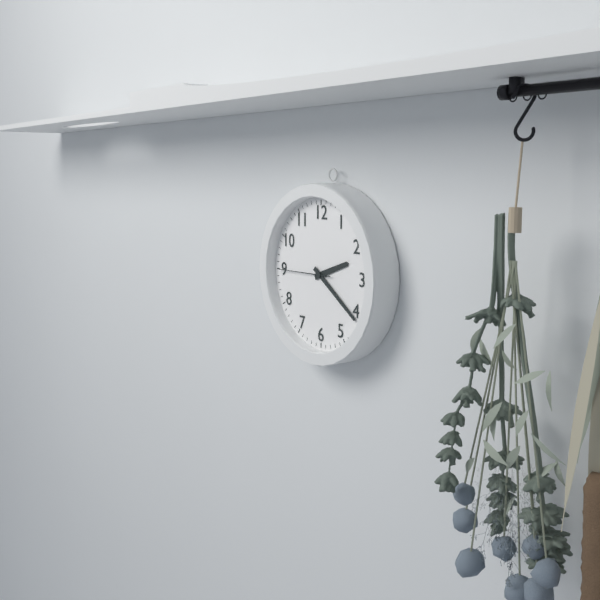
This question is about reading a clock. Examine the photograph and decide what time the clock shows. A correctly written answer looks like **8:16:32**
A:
**2:21:45**
